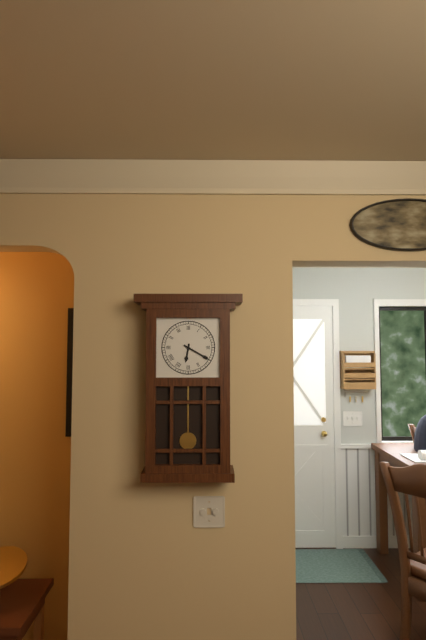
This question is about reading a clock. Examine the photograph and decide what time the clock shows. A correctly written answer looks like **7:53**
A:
**6:20**
